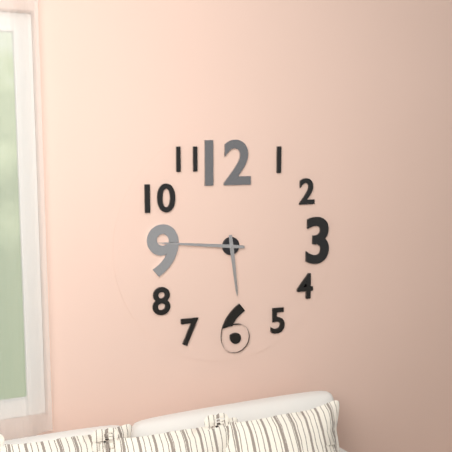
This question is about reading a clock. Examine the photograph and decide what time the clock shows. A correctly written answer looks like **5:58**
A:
**5:46**
